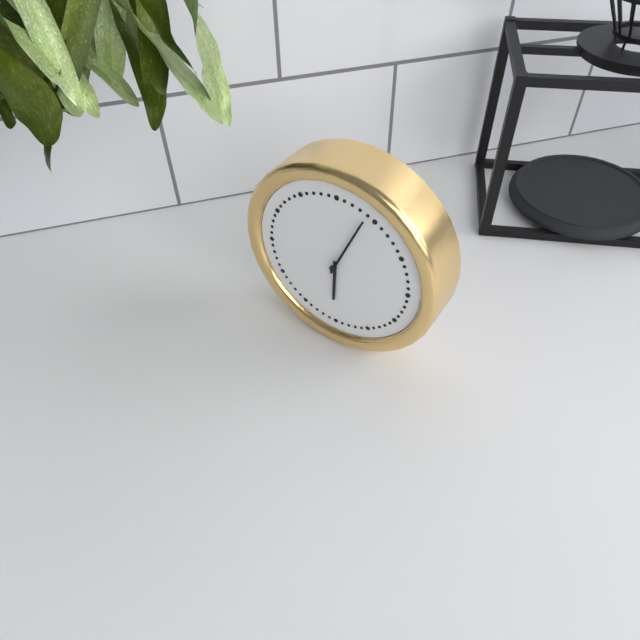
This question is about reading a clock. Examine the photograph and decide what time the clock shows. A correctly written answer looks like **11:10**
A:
**6:04**
